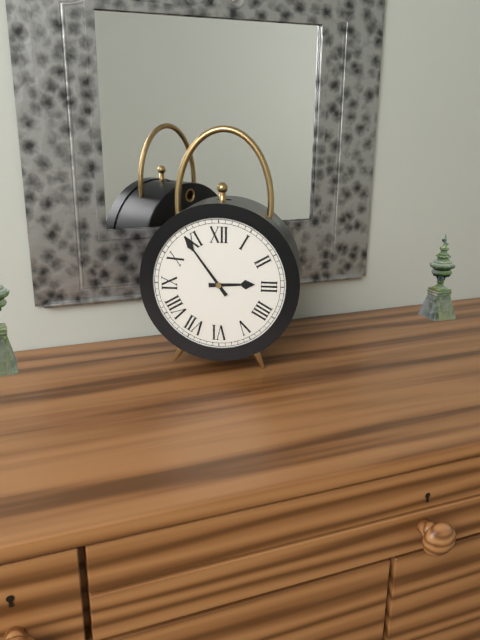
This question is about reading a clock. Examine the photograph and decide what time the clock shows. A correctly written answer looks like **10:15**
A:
**2:54**
